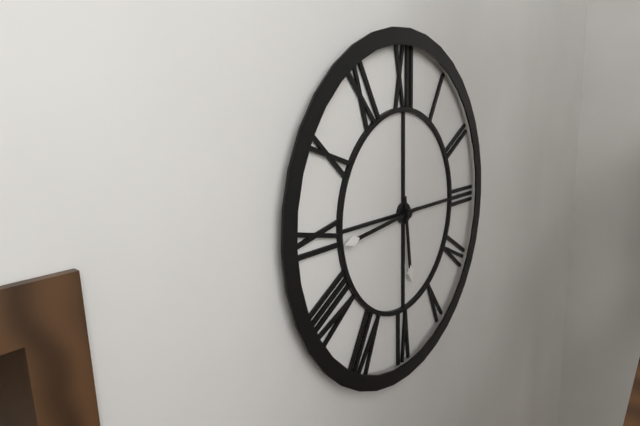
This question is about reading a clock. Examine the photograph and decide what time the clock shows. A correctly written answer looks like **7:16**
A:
**5:44**
